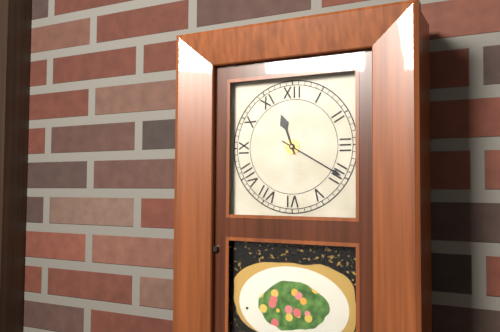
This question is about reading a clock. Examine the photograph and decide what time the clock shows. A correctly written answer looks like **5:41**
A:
**11:20**
